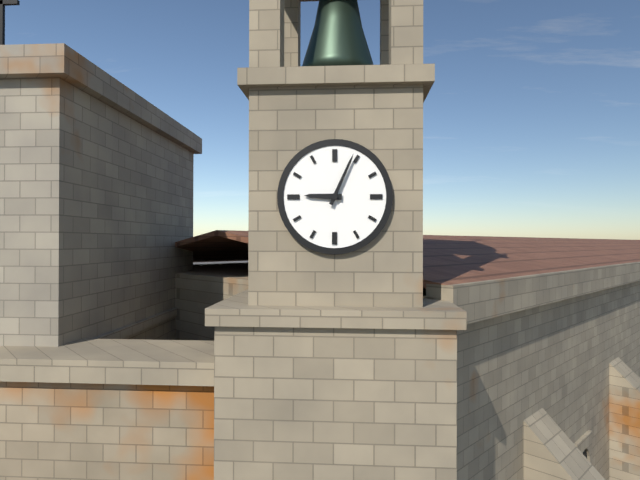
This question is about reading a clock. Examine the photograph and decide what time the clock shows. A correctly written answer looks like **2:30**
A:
**9:04**
